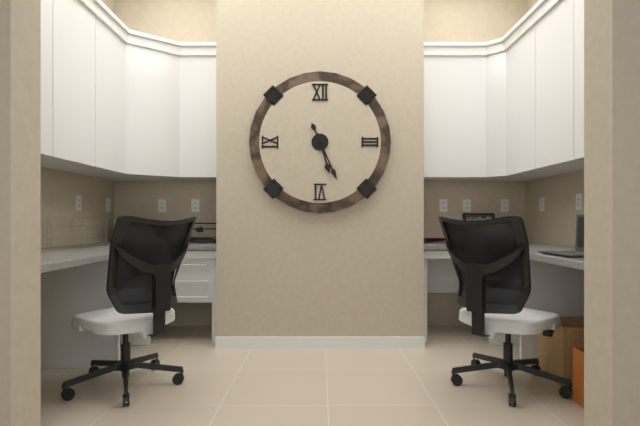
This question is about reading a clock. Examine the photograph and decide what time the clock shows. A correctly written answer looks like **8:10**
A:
**5:26**
